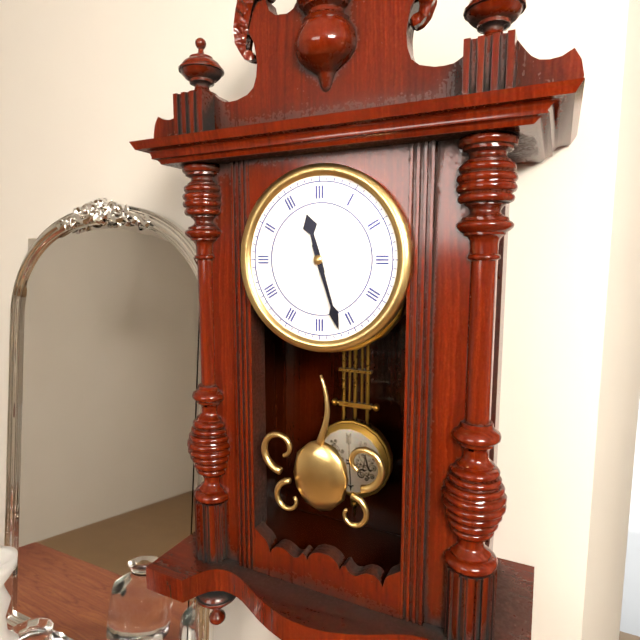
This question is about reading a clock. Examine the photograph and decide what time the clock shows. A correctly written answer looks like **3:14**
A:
**11:27**
